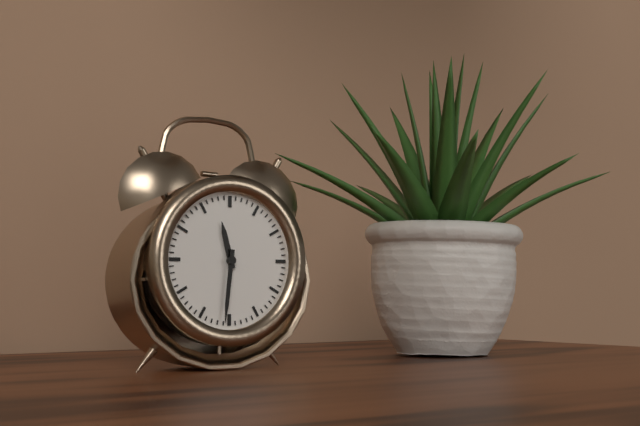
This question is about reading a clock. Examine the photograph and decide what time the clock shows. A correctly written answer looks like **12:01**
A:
**11:31**
